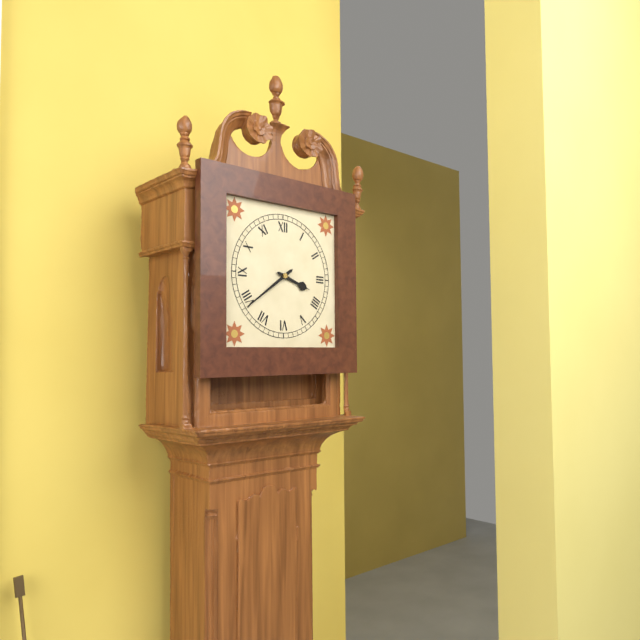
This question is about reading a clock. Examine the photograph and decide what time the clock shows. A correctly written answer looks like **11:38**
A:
**3:39**
